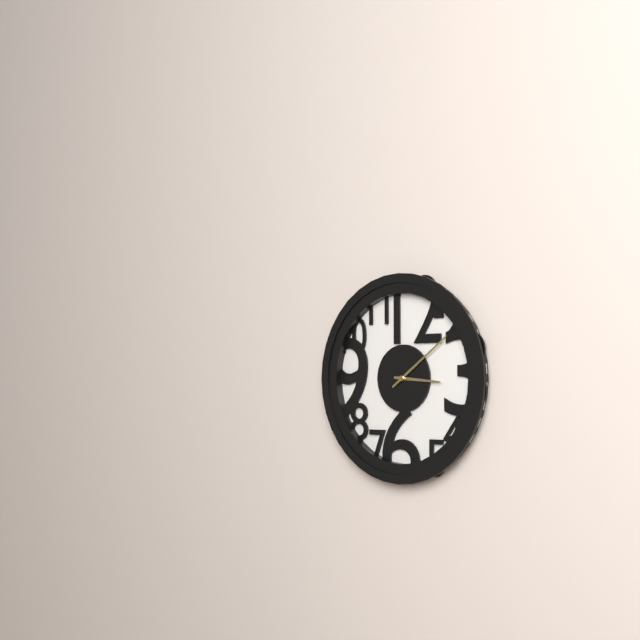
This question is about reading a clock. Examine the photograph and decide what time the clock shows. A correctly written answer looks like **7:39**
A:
**3:09**
